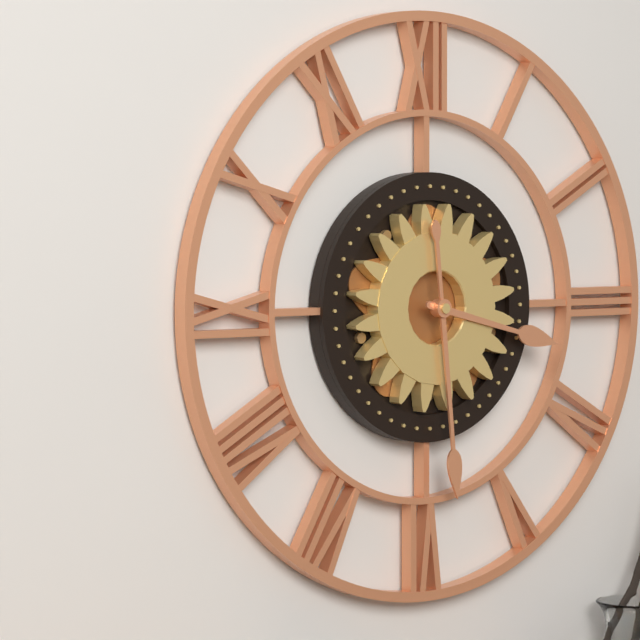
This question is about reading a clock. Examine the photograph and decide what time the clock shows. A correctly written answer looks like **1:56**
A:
**3:29**
